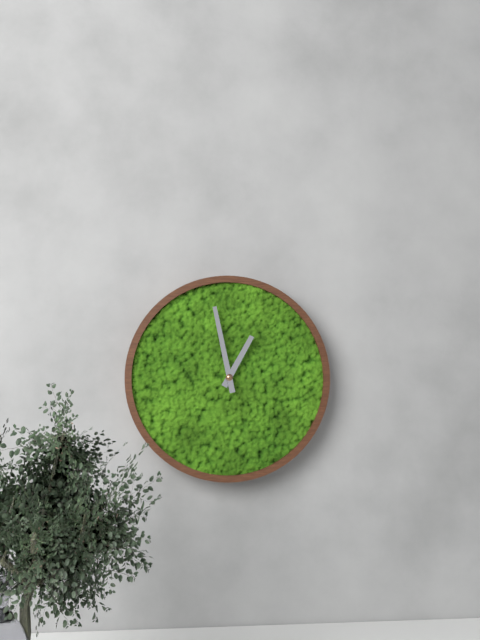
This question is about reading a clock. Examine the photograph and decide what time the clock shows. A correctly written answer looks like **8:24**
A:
**12:58**
